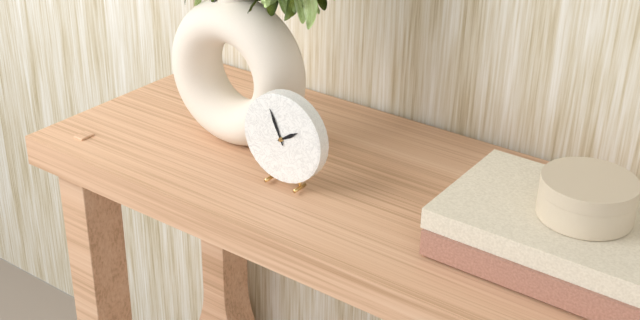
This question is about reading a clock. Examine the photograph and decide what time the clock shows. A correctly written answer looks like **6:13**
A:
**1:56**
